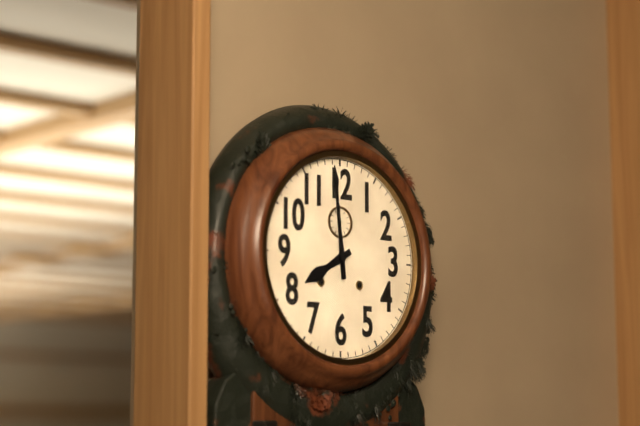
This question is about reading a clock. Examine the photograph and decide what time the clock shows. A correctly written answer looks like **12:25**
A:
**7:59**
